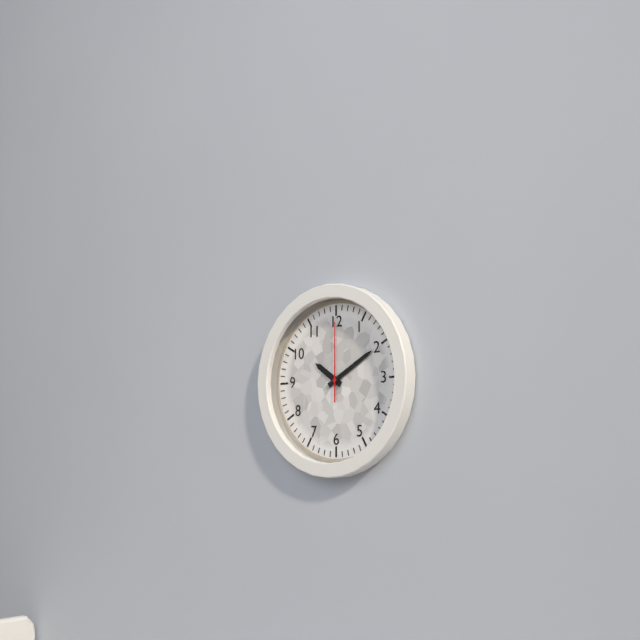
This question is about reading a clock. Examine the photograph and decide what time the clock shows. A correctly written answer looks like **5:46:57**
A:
**10:10:00**
